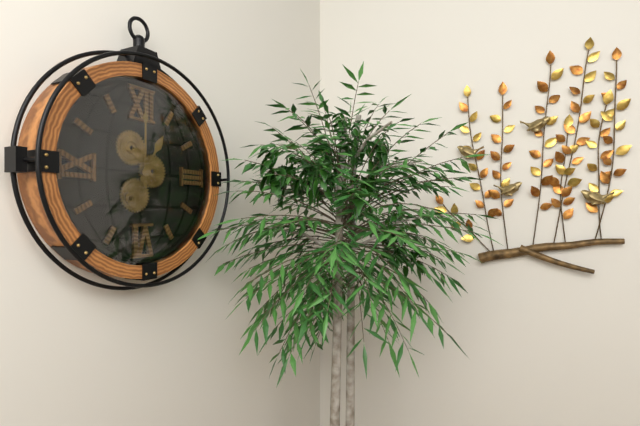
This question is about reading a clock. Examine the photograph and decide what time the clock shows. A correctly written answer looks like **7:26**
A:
**1:00**
